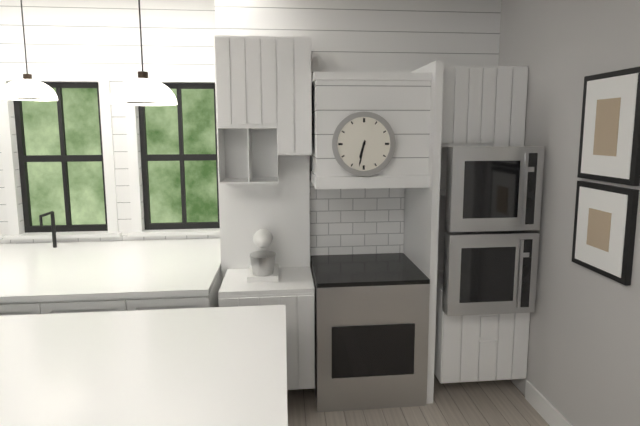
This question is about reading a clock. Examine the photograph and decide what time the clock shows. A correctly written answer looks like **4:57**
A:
**6:32**
